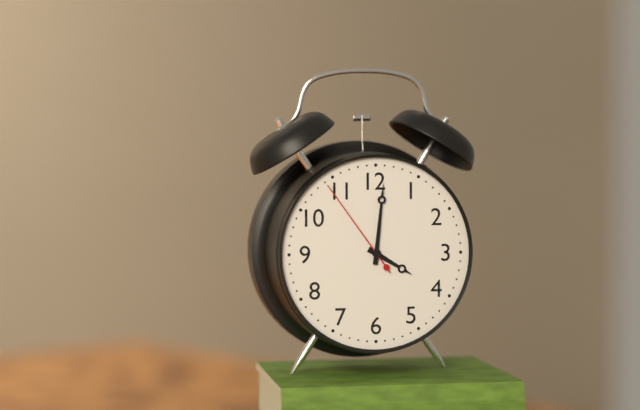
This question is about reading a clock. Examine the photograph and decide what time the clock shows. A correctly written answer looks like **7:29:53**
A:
**4:01:54**
